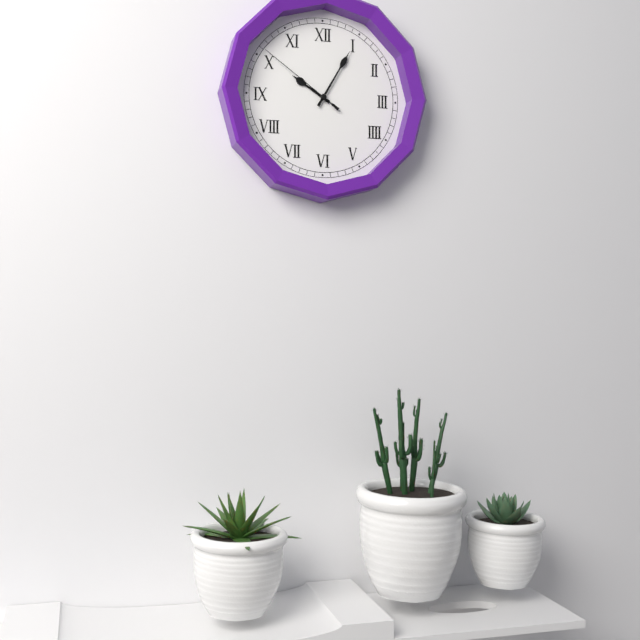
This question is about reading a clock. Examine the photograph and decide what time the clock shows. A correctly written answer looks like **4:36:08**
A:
**10:05:51**
